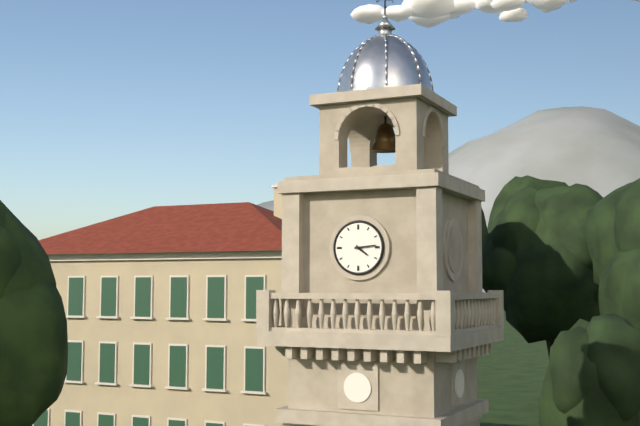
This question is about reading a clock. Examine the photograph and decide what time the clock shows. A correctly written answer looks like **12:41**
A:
**4:14**
